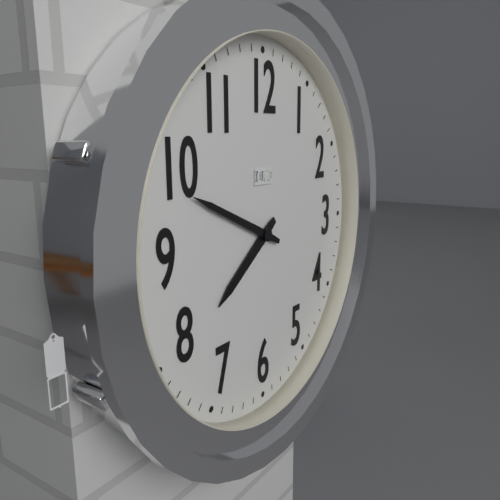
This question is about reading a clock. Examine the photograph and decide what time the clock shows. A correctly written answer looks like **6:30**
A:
**7:49**
